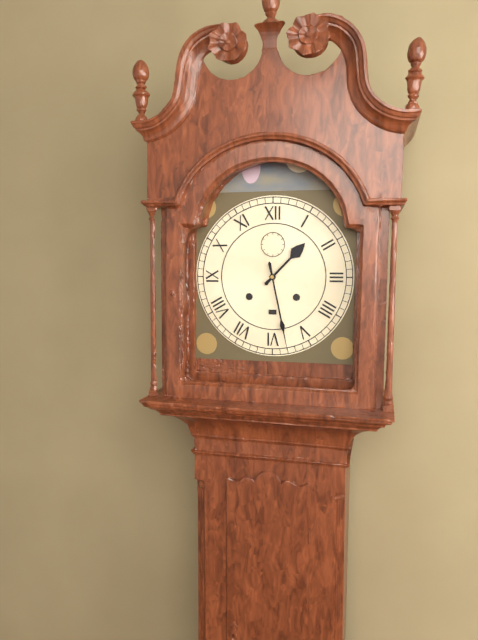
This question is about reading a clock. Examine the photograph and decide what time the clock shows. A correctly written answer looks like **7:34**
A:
**1:28**
